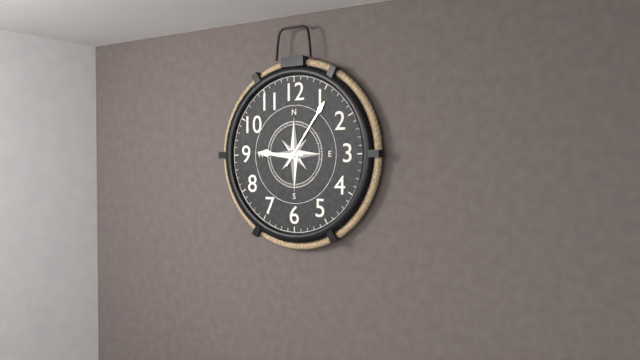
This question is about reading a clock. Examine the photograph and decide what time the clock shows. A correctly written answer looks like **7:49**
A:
**9:06**
